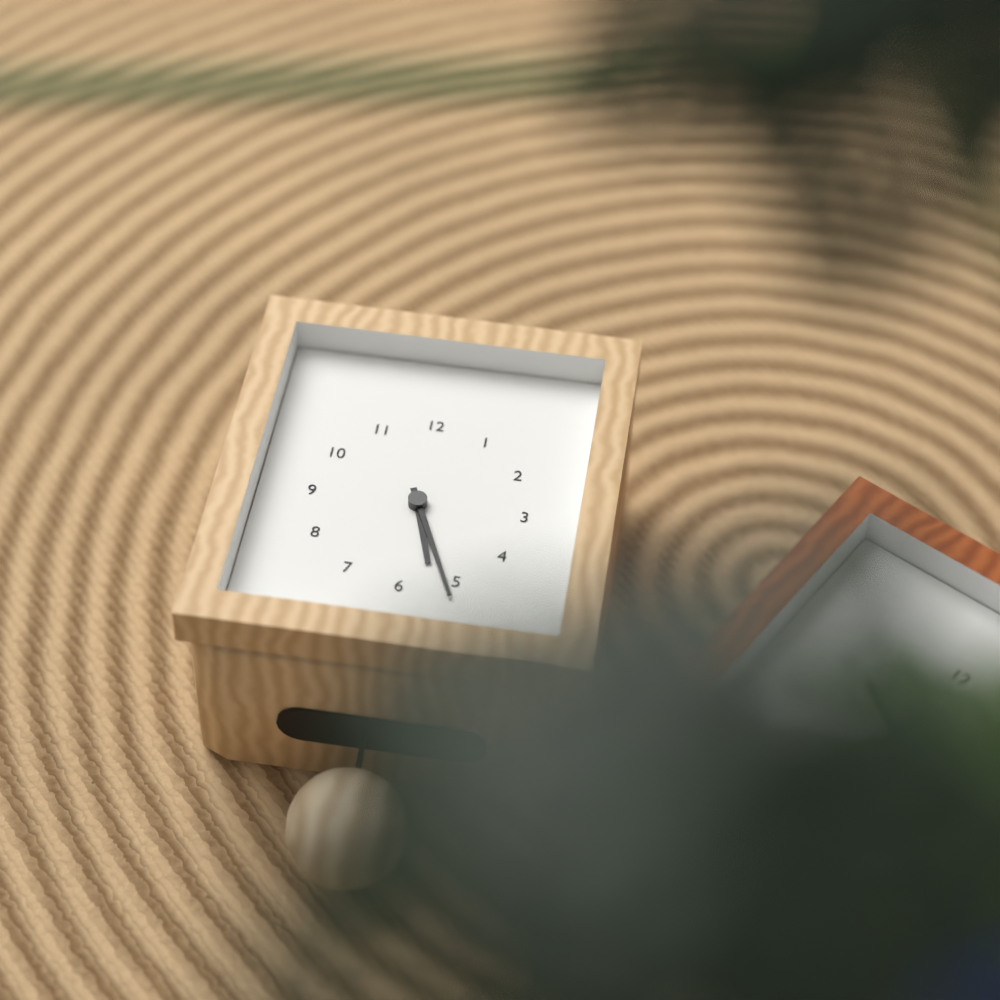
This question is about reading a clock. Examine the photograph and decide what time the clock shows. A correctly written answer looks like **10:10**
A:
**5:26**
